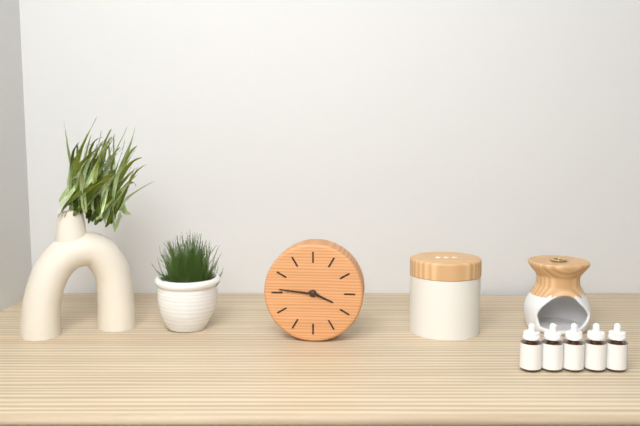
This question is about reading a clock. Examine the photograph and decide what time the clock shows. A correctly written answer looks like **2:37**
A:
**3:46**
